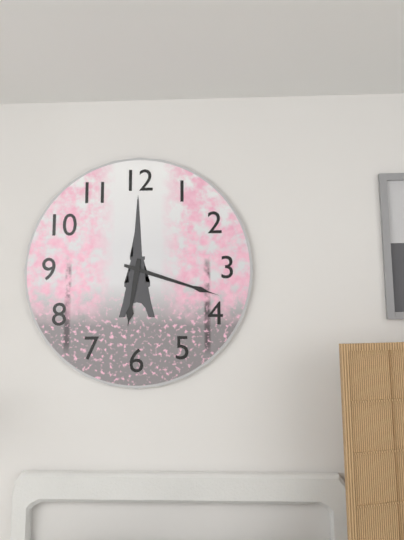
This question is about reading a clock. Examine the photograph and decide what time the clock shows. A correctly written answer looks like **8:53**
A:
**6:18**
